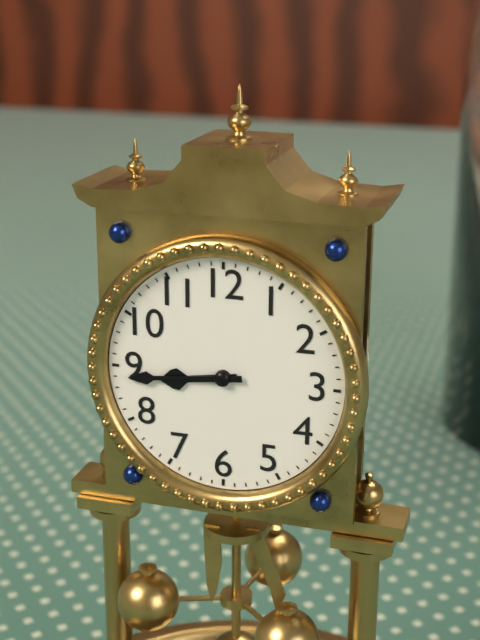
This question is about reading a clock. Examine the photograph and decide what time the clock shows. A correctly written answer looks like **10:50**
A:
**8:44**
